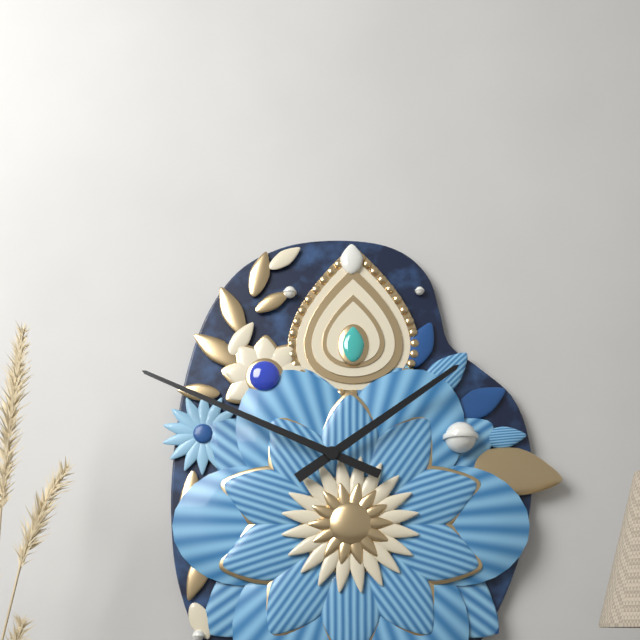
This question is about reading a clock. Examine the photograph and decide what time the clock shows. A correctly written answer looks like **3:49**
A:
**1:49**
